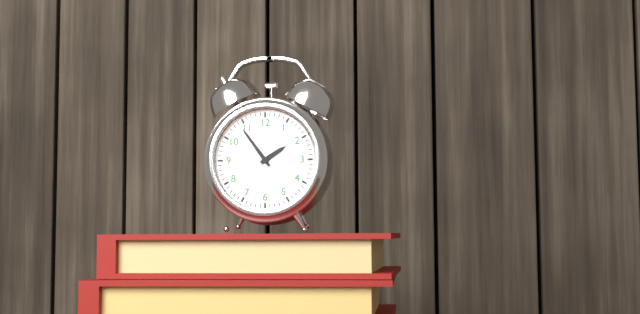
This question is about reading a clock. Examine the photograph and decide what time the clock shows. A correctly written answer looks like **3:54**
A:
**1:54**
